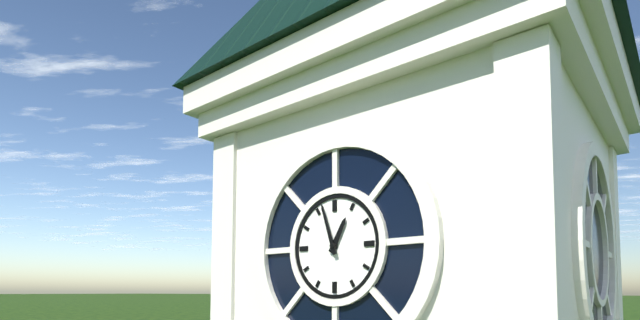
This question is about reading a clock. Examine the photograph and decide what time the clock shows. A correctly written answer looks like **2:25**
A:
**12:57**
